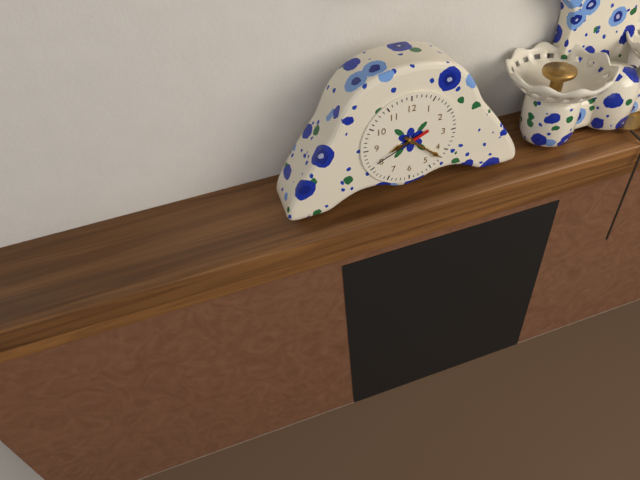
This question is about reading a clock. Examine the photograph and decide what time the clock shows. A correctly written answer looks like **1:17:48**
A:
**8:22:41**
